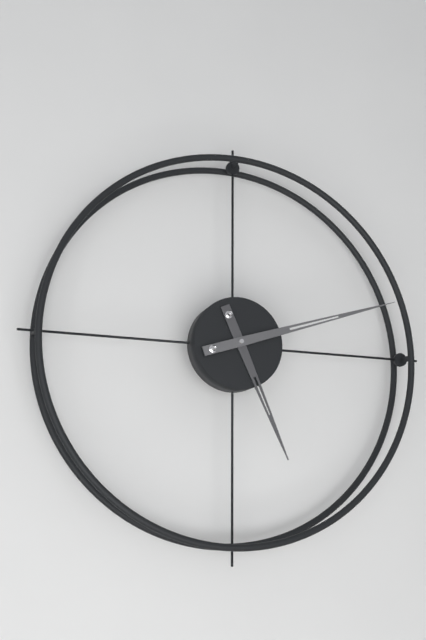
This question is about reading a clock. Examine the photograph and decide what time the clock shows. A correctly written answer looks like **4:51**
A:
**5:12**
